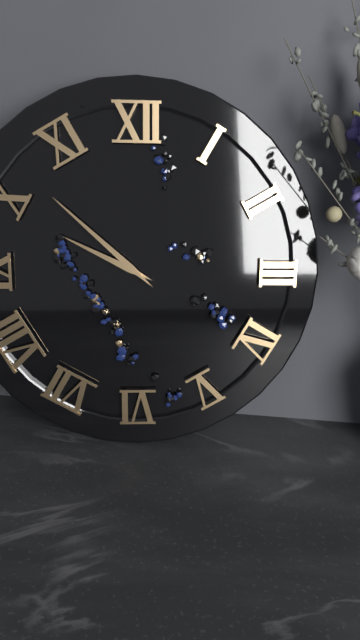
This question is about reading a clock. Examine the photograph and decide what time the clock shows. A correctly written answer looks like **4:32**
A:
**9:52**
